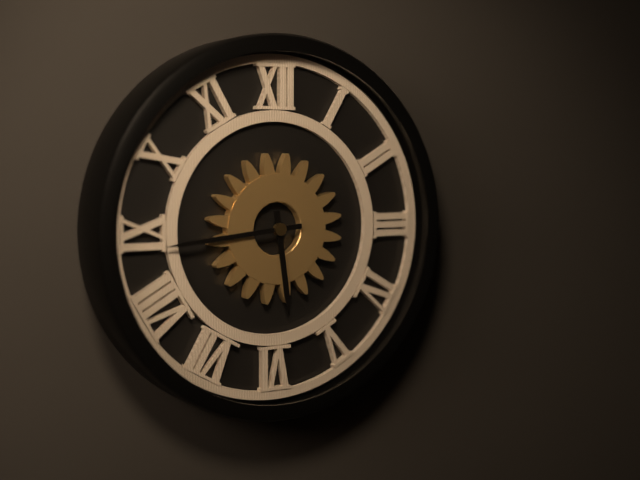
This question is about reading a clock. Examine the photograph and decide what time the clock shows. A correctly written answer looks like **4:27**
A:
**5:44**
